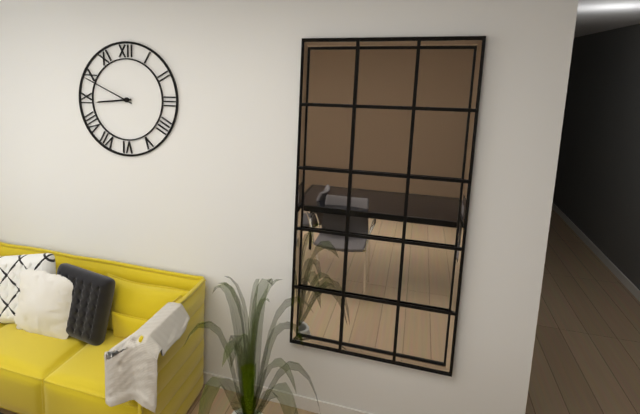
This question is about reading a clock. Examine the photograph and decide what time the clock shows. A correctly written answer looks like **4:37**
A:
**8:49**
